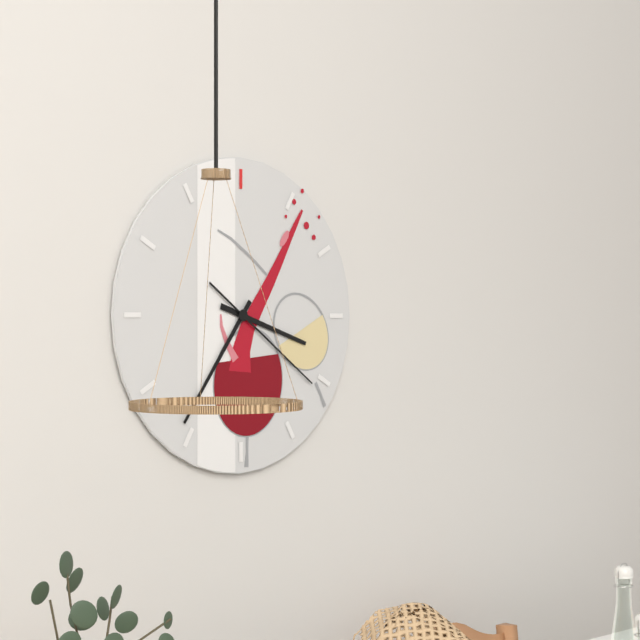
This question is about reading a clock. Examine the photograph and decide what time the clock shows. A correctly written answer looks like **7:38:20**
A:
**3:36:21**
